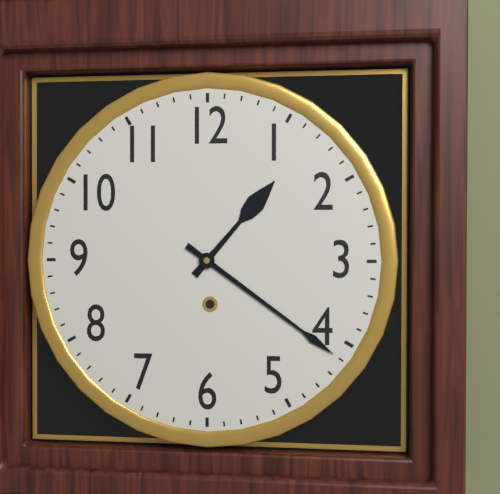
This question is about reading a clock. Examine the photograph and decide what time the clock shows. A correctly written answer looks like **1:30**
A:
**1:21**
